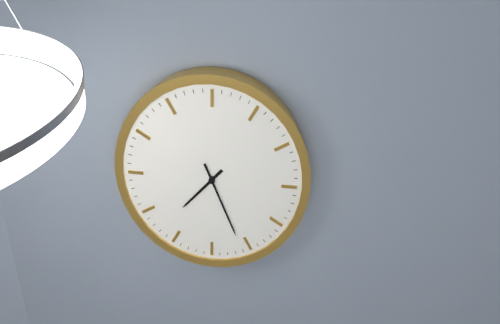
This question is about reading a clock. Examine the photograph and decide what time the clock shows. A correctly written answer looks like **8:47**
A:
**7:26**
